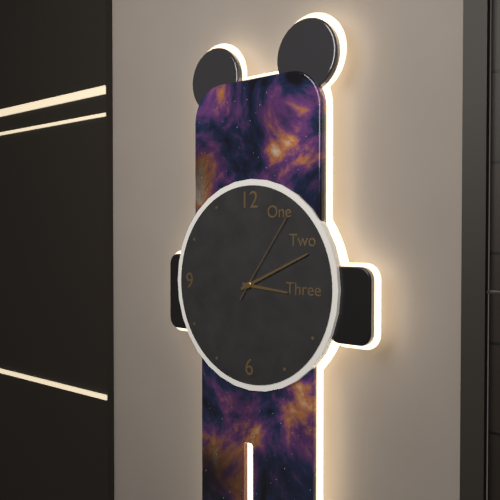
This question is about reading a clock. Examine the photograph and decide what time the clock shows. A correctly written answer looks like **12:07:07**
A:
**3:11:06**
